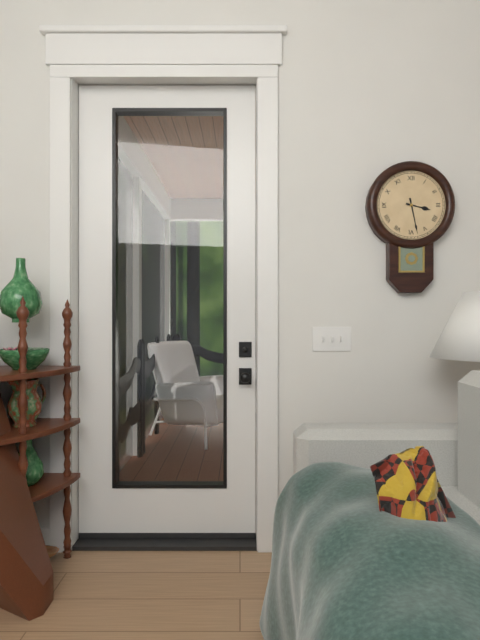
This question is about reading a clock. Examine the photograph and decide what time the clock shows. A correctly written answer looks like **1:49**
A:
**3:28**
